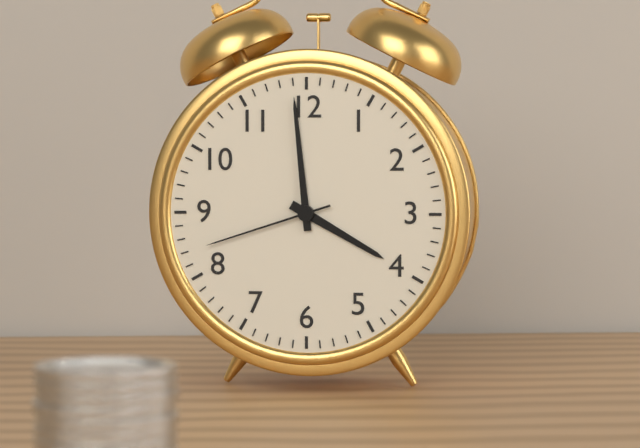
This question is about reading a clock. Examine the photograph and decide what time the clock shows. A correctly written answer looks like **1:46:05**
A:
**3:59:42**
